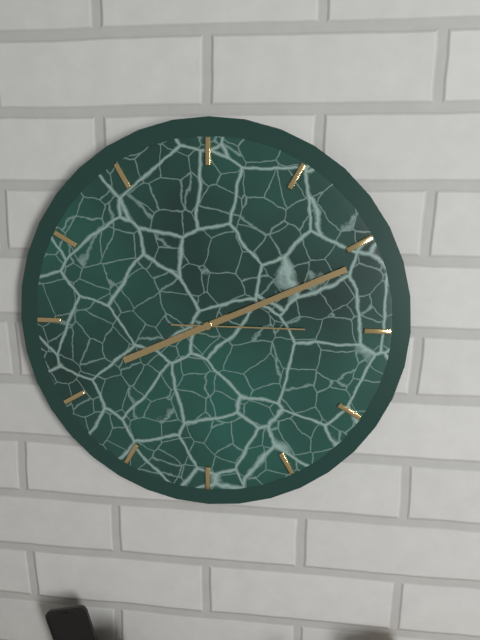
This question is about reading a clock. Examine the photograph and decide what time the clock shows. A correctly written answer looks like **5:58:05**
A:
**8:11:15**
